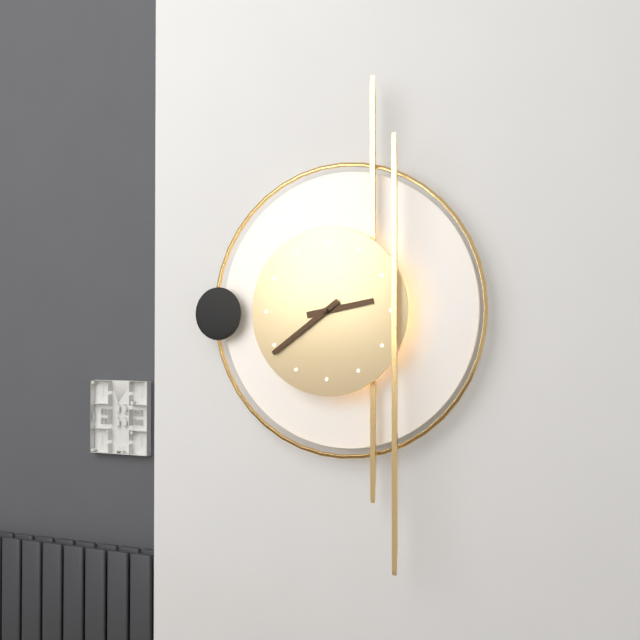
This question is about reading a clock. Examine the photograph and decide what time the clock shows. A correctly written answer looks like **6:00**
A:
**2:39**
